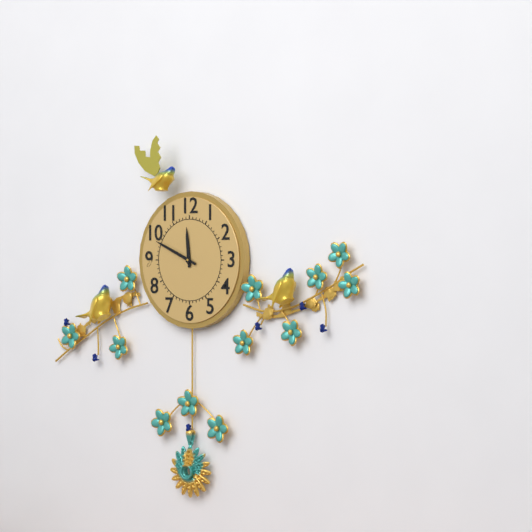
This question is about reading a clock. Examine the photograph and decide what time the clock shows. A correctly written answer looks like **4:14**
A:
**11:49**
